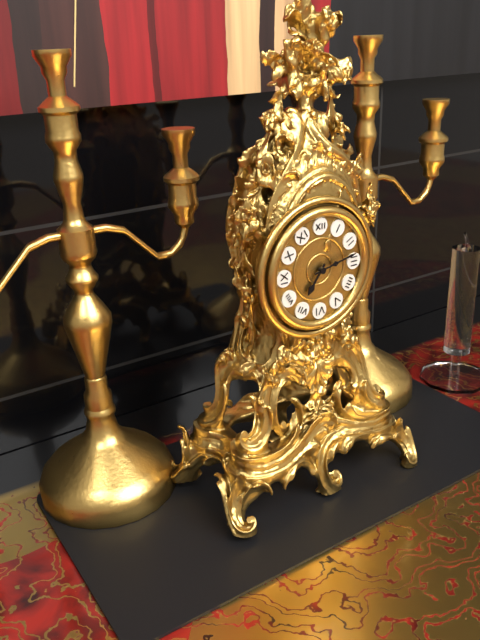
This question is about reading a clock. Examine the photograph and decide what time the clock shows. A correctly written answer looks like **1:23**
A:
**7:13**
